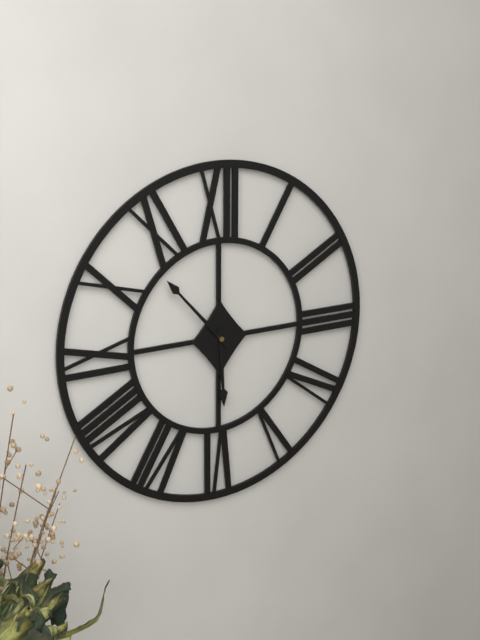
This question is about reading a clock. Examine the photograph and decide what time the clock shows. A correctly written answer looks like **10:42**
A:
**5:53**
